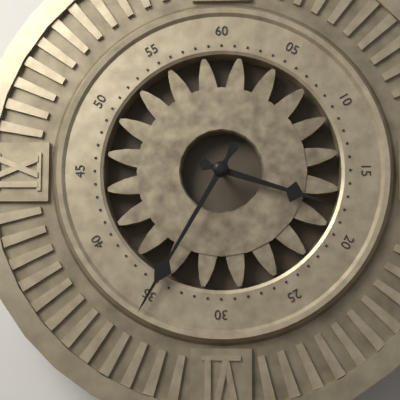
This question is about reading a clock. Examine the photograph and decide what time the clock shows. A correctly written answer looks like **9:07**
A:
**3:35**
